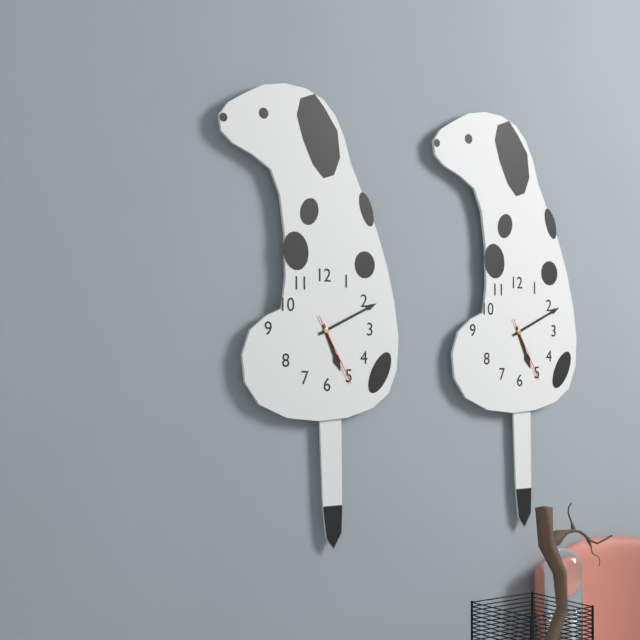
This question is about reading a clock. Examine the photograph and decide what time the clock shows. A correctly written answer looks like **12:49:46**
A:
**5:11:25**
